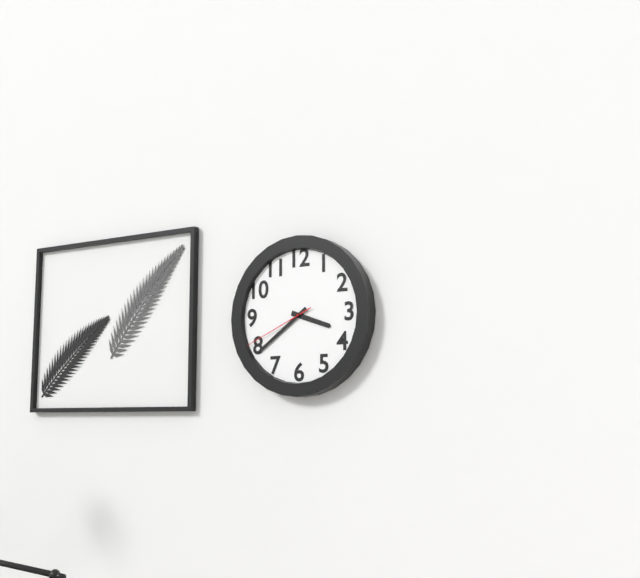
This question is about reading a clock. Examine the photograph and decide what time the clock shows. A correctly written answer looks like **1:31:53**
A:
**3:39:41**
